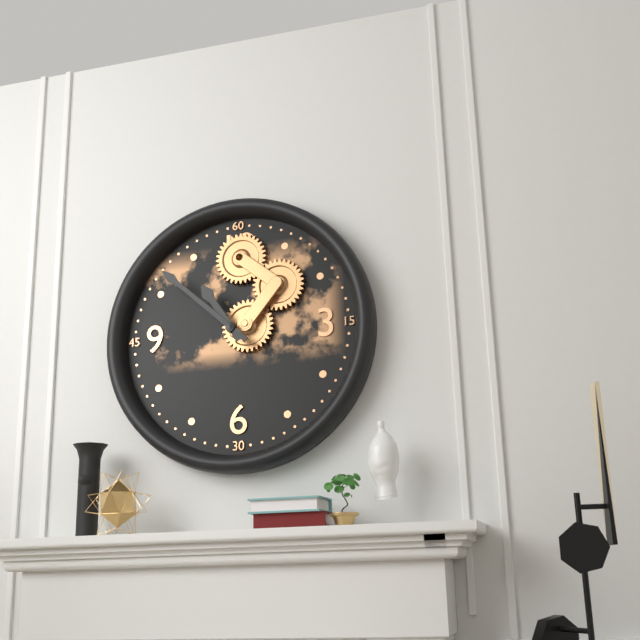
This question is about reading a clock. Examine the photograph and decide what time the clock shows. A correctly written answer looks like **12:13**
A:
**10:52**
